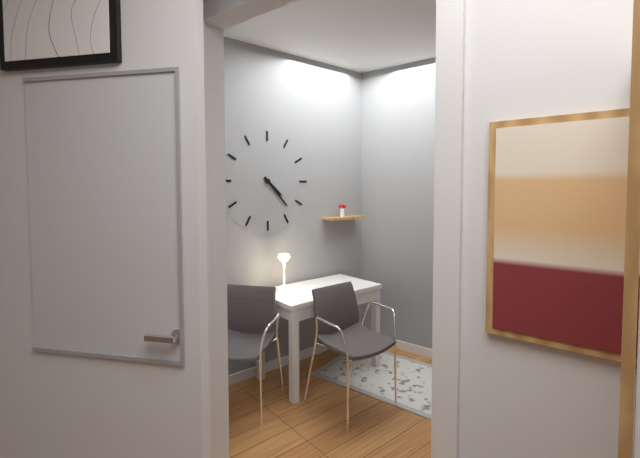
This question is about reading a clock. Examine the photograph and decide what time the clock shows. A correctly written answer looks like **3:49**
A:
**4:23**
